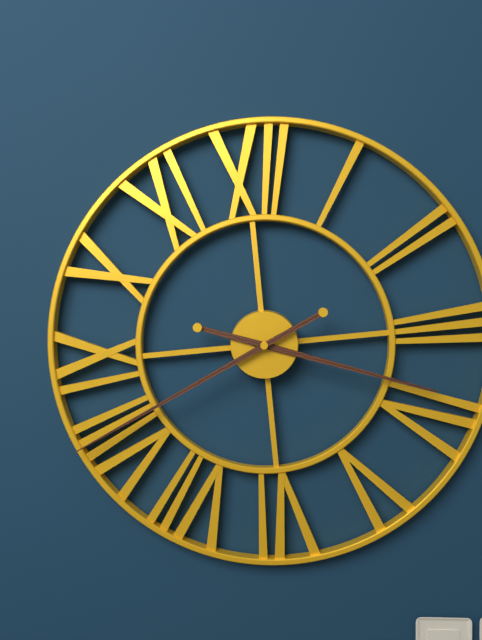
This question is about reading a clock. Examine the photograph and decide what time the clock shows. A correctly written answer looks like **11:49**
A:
**3:41**
